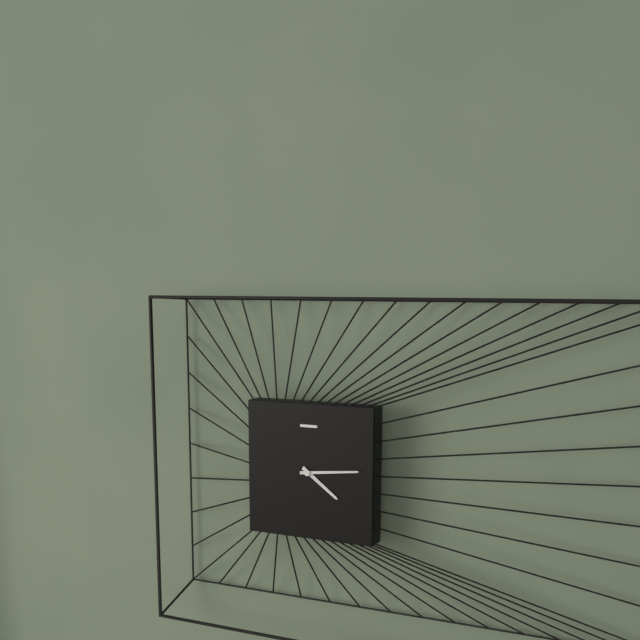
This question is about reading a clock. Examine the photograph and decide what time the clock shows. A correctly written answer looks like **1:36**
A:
**4:14**
